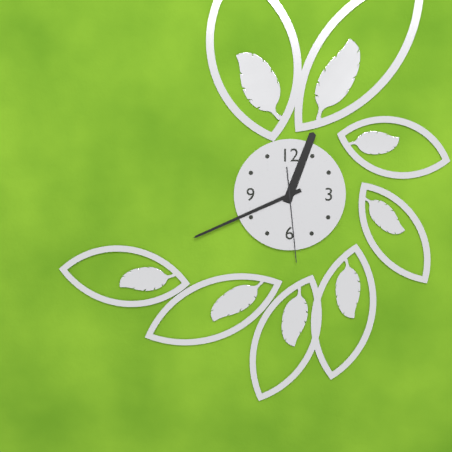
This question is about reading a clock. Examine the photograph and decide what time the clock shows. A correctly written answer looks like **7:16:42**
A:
**12:41:29**
